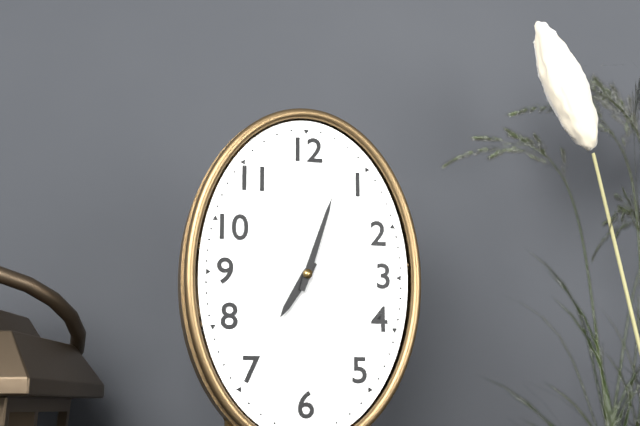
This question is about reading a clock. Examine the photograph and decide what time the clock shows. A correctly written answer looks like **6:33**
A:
**7:03**
